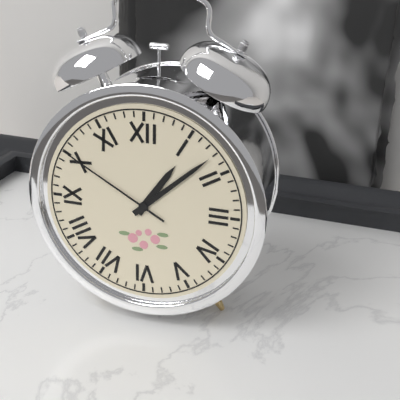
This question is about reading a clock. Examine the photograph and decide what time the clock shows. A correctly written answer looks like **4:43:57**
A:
**1:08:50**
